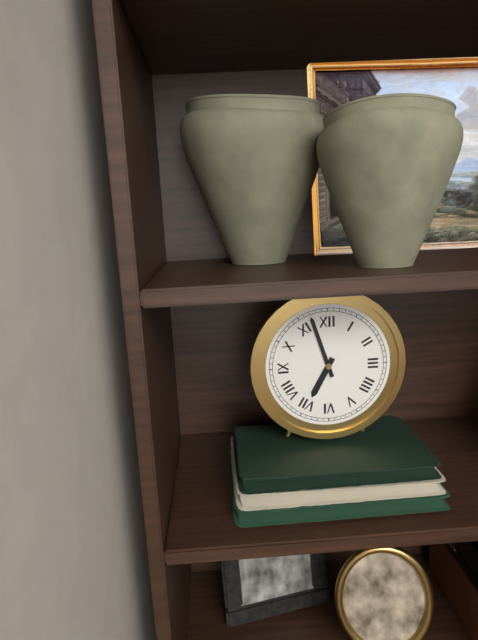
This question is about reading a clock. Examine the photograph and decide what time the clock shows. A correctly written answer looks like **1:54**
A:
**6:57**
